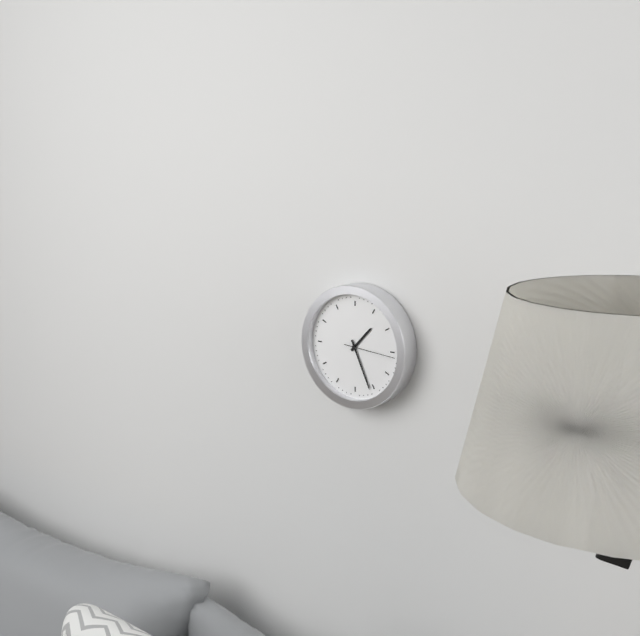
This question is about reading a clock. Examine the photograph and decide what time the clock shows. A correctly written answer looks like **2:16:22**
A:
**1:26:16**
